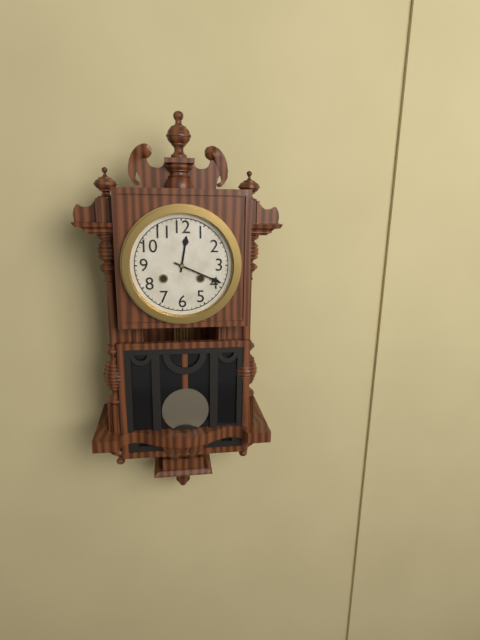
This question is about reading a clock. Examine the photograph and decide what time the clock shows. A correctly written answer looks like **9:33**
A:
**12:19**
